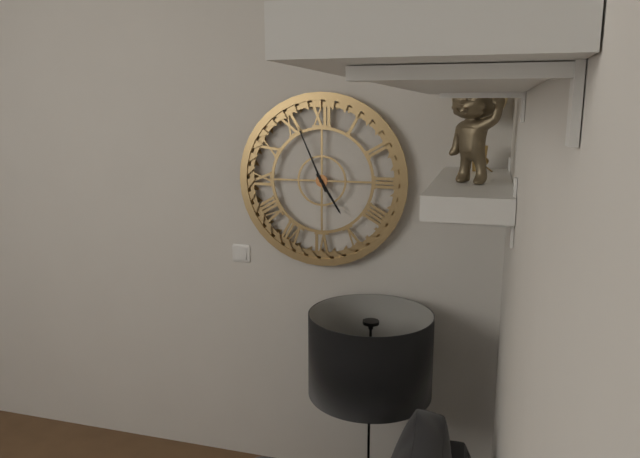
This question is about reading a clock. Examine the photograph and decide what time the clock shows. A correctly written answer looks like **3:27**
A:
**4:56**
